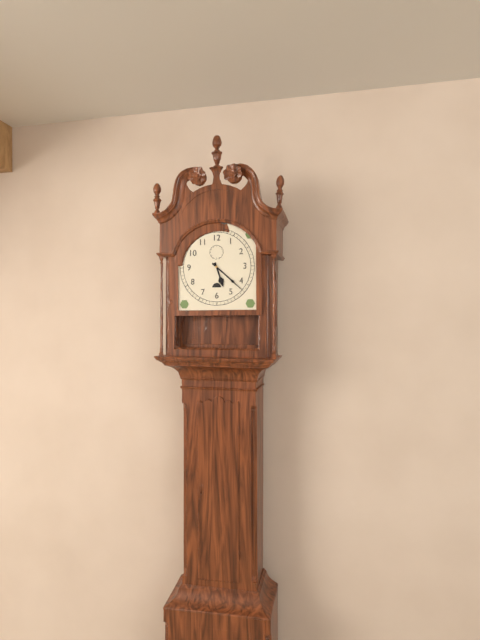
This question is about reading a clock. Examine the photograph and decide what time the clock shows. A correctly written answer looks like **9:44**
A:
**5:22**
